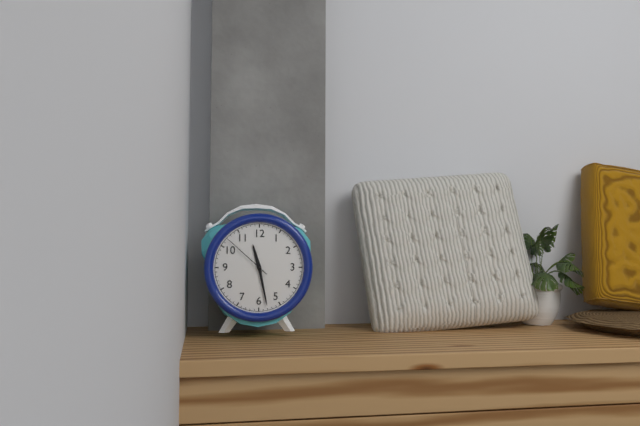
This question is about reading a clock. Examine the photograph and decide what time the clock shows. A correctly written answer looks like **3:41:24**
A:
**11:28:52**
